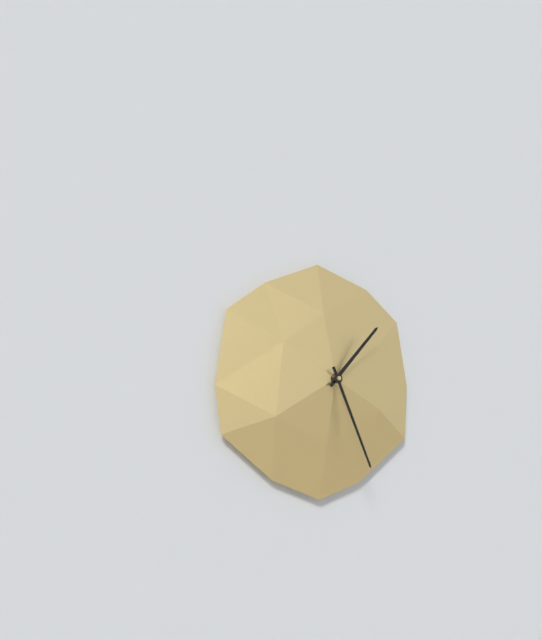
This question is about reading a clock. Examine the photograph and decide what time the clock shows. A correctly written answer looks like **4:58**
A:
**1:26**
